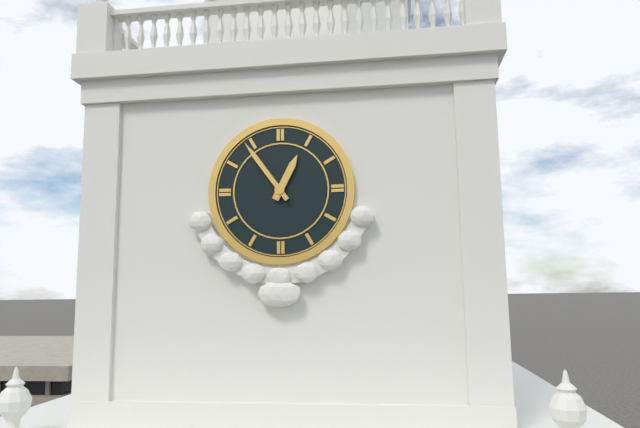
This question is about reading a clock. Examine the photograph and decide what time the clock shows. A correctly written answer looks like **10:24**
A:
**12:54**
